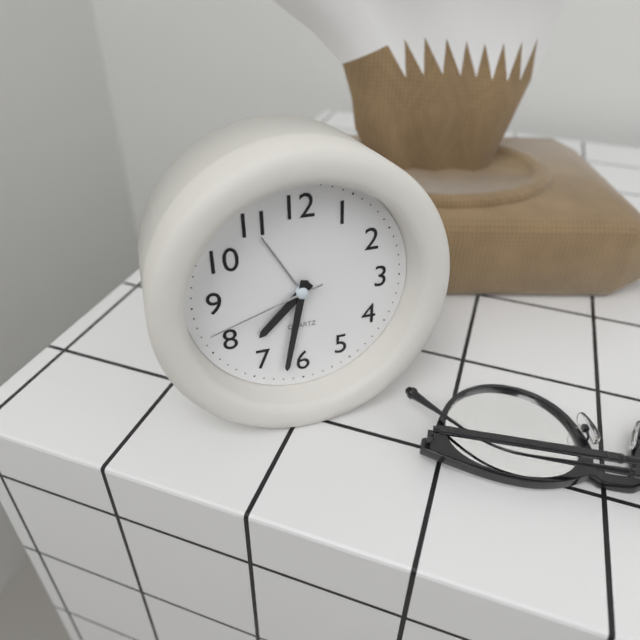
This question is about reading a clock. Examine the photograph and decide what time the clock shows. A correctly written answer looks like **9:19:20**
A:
**7:32:42**
